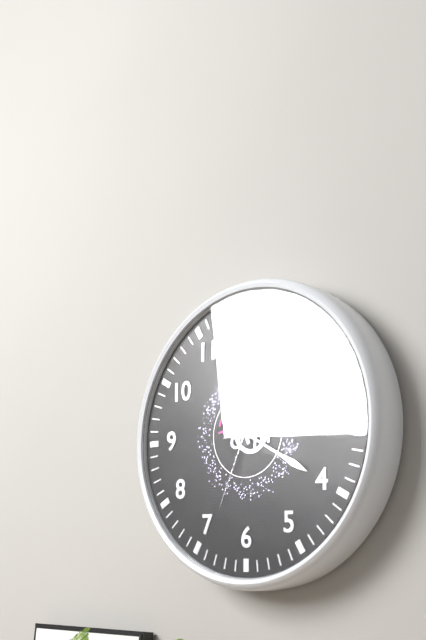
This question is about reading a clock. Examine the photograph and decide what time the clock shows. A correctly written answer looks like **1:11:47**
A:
**11:20:34**
